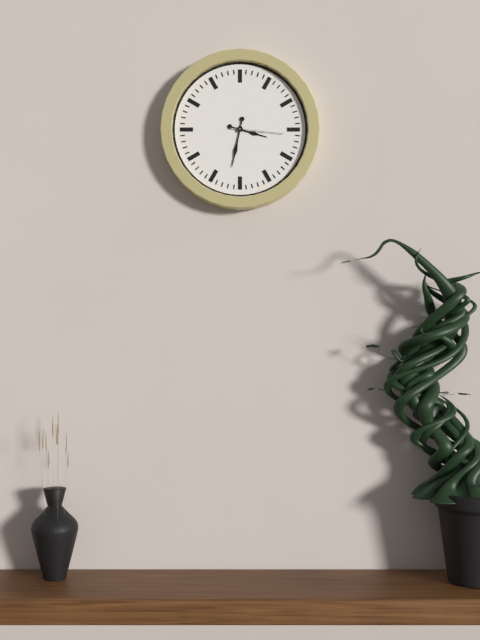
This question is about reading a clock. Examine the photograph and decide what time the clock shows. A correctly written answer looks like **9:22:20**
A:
**3:32:16**
